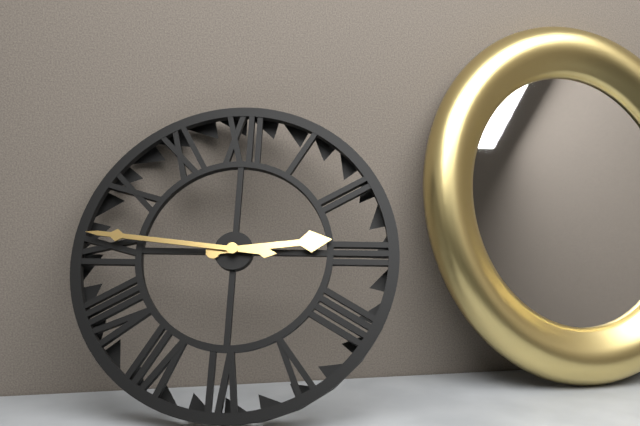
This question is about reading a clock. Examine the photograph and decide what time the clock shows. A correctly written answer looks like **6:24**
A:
**2:46**
